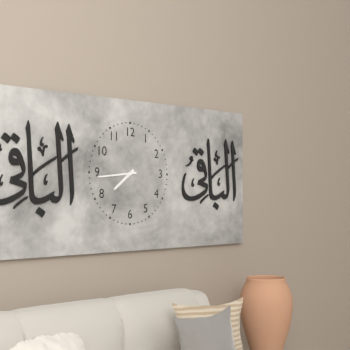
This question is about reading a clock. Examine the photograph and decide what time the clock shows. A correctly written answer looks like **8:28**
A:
**7:44**
